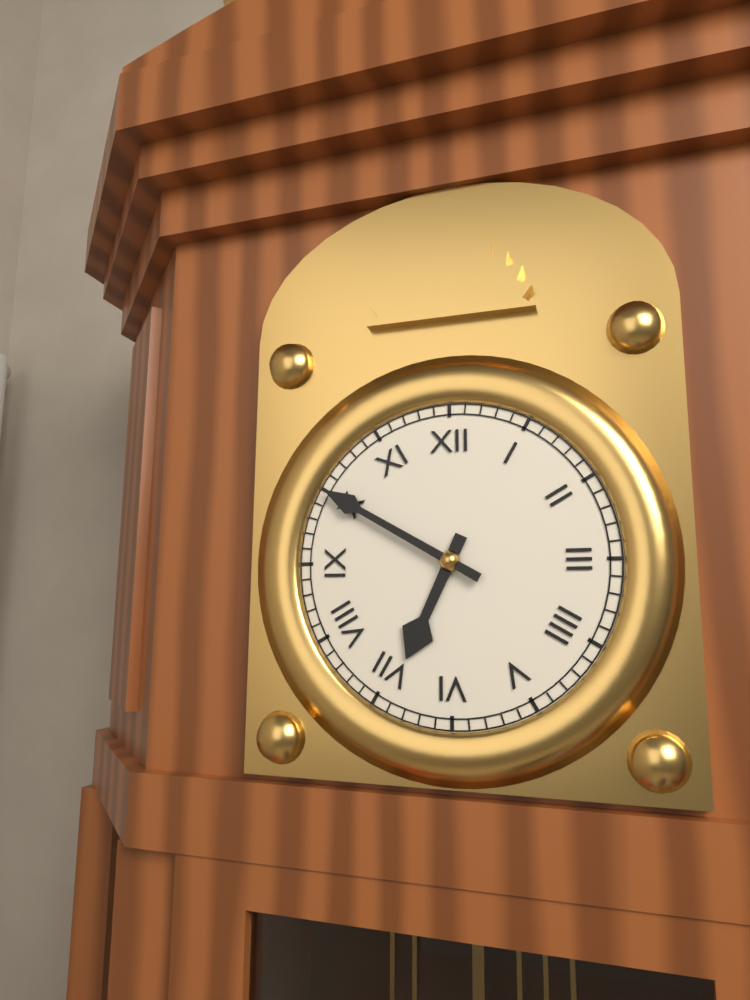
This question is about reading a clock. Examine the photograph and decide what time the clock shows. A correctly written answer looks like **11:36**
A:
**6:50**
